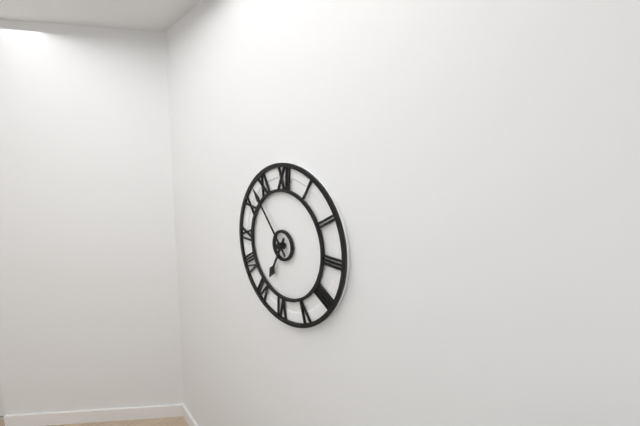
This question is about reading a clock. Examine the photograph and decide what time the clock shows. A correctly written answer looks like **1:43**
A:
**6:53**
